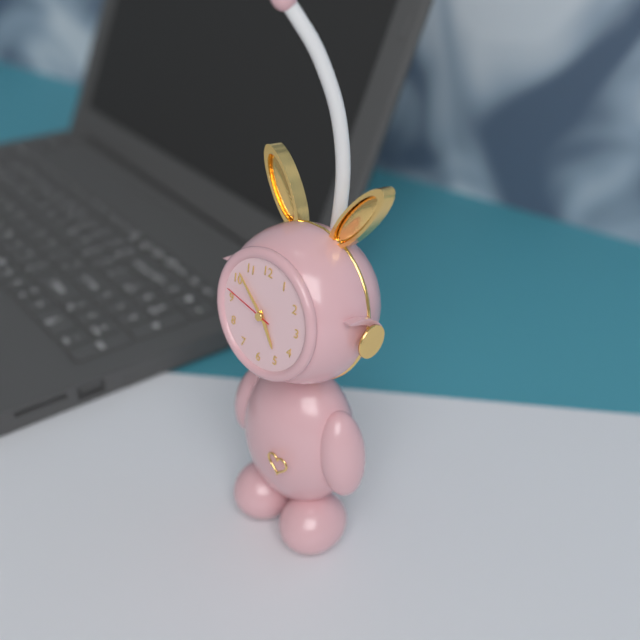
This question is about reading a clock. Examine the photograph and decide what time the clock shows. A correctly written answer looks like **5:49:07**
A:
**4:52:47**
